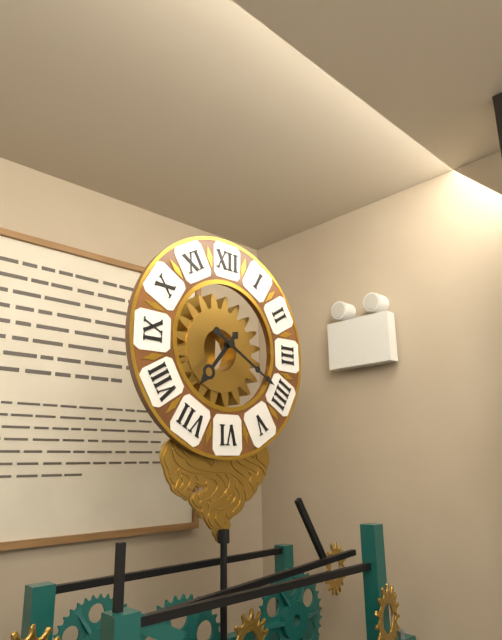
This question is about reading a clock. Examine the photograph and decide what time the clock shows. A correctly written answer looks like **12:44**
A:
**7:20**
